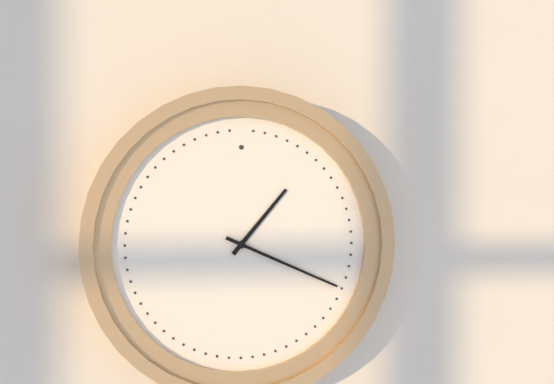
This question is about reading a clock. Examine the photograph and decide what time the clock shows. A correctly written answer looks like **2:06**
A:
**1:19**
